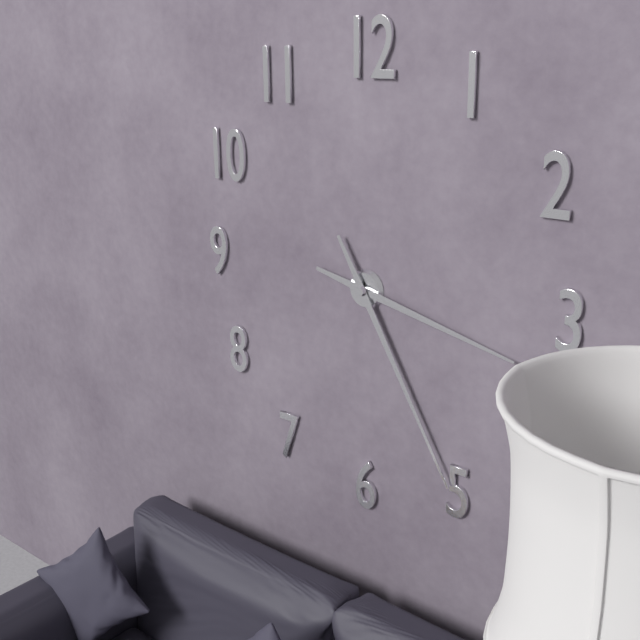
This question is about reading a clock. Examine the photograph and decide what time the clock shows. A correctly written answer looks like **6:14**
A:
**3:25**
